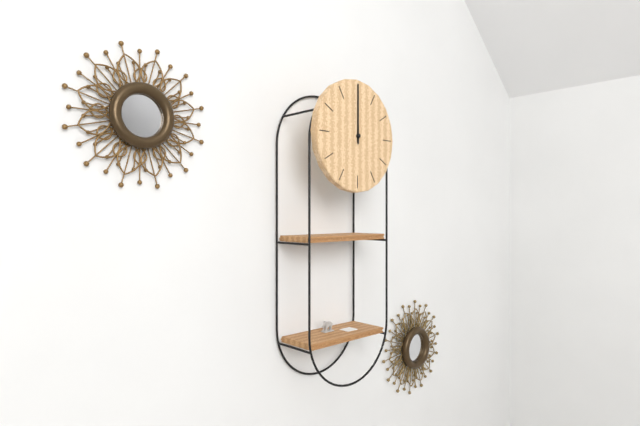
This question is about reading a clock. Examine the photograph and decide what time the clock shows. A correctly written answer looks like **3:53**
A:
**12:00**
